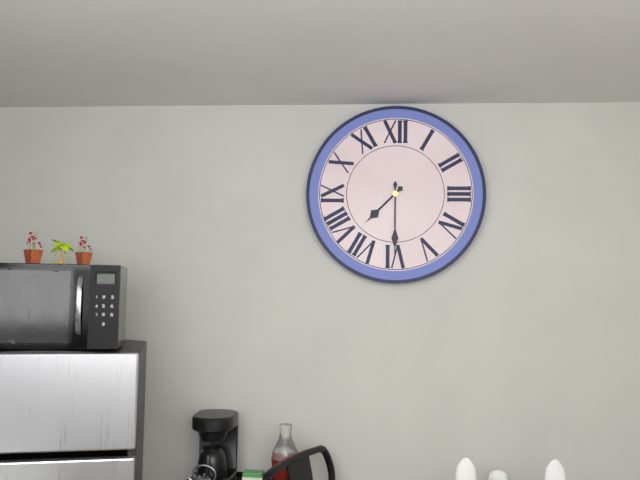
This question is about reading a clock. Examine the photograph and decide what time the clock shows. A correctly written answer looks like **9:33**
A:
**7:30**
